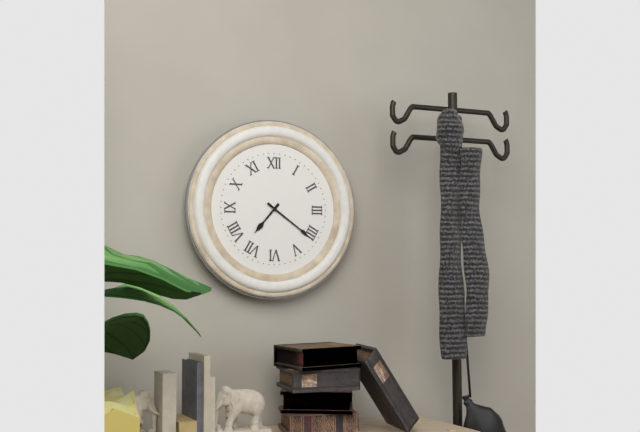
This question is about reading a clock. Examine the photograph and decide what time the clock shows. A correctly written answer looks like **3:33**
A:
**7:21**
